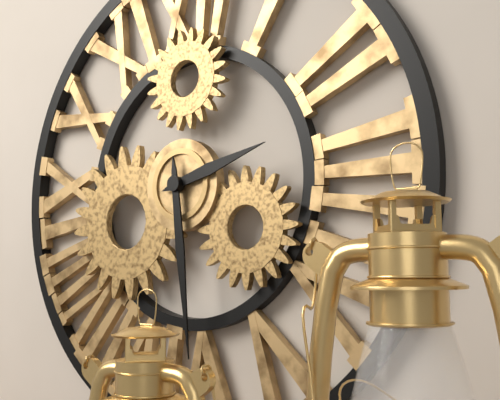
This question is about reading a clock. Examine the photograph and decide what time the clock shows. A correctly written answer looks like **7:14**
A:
**2:29**
